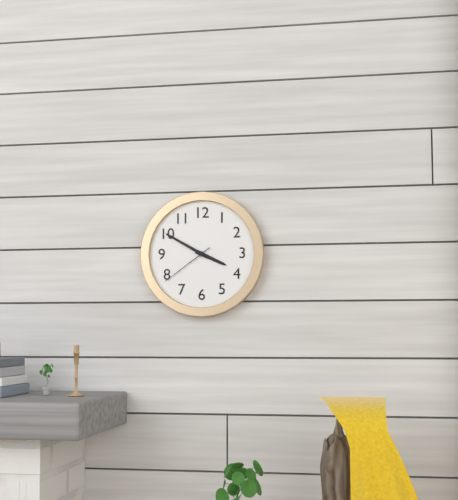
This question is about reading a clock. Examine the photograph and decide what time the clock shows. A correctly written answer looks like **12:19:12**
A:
**3:50:39**
